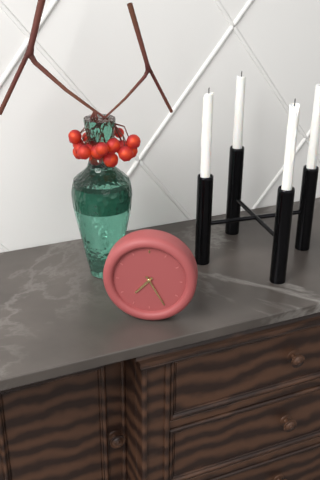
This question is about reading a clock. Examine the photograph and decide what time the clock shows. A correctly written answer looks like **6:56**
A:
**7:25**
